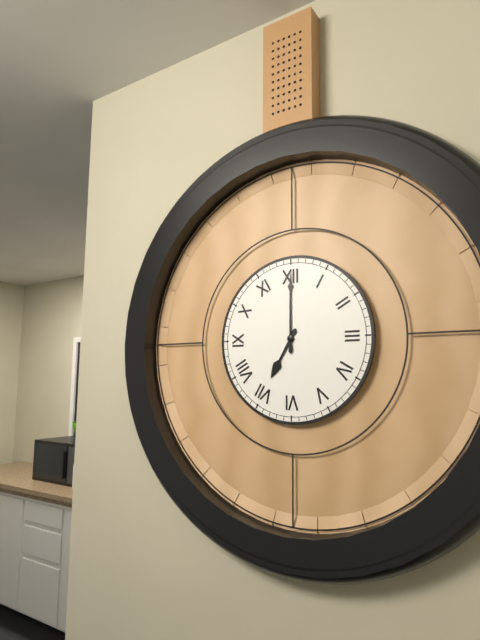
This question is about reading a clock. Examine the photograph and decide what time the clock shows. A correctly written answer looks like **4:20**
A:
**7:00**
